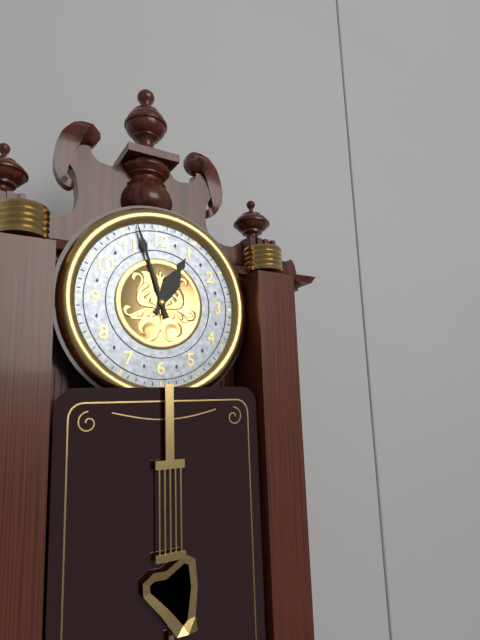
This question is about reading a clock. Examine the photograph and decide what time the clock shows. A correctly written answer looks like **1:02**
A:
**12:57**
